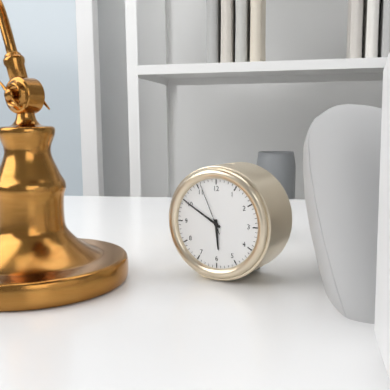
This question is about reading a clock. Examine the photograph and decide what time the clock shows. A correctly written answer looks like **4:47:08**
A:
**5:50:56**
